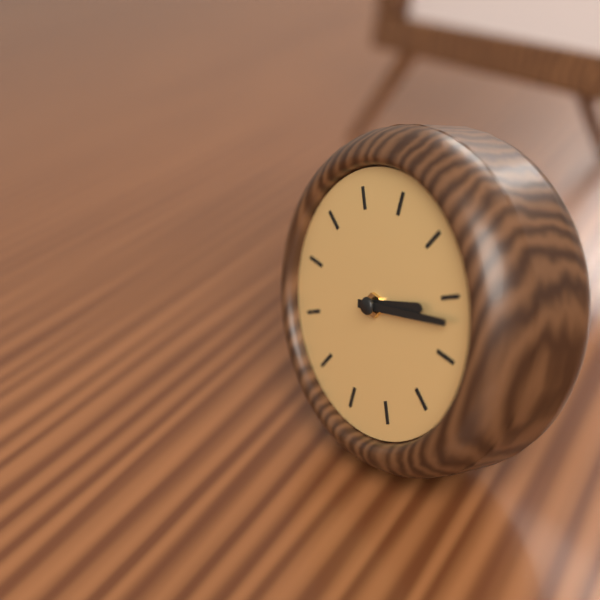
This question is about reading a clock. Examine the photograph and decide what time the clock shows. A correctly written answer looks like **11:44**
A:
**2:12**
